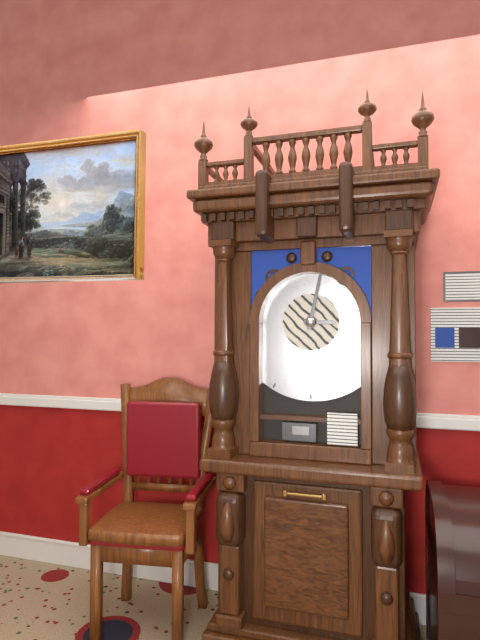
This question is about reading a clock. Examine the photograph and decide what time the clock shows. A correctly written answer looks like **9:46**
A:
**3:02**
